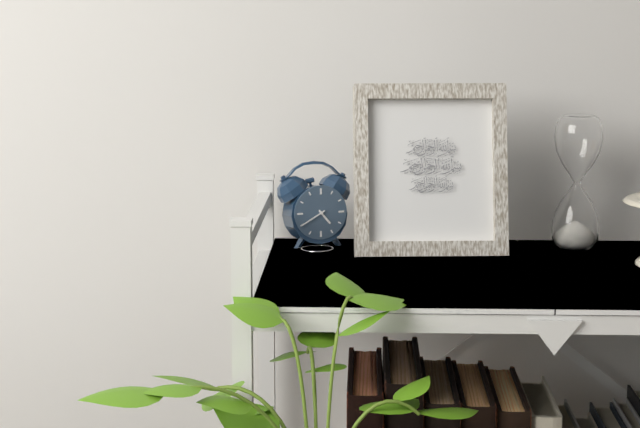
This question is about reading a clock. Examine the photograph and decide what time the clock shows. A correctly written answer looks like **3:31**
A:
**4:40**
